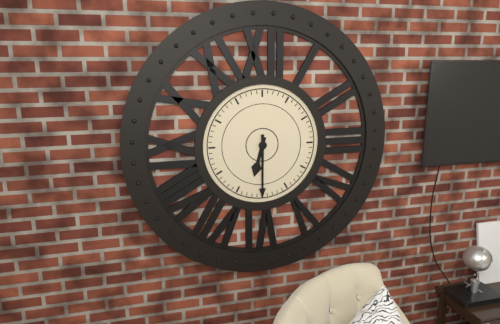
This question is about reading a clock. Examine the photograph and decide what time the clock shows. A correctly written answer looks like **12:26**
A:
**6:30**
